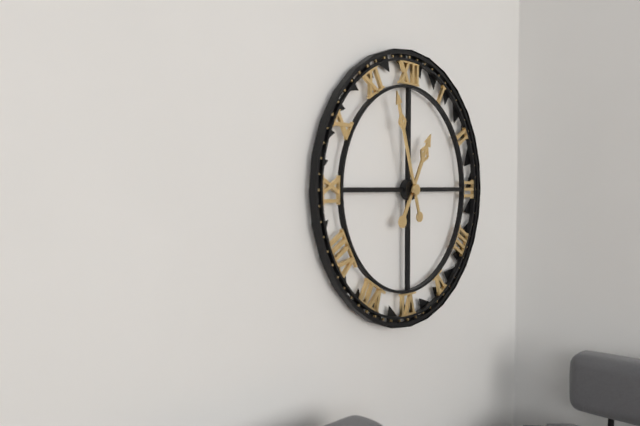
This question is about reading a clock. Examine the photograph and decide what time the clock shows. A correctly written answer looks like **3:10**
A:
**12:57**
